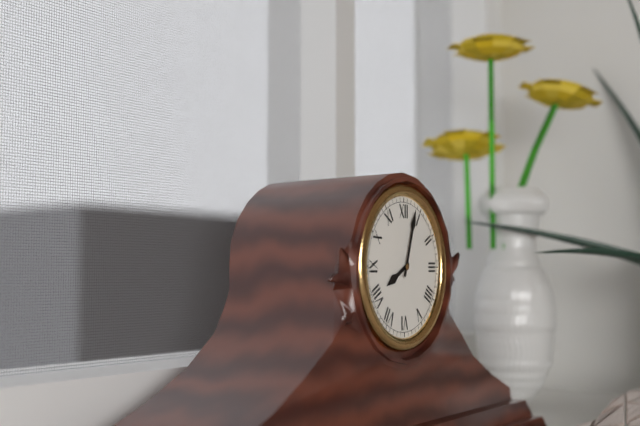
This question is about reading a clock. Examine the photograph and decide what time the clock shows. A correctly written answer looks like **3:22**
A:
**8:03**
